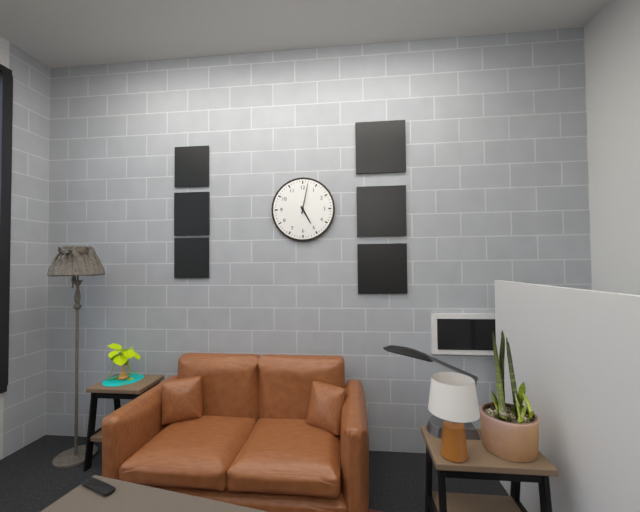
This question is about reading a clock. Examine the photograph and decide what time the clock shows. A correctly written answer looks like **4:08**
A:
**5:02**
